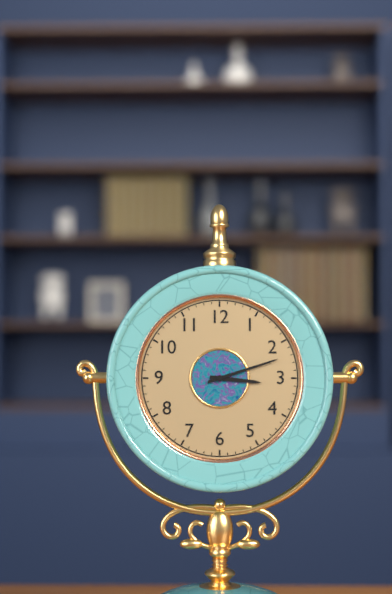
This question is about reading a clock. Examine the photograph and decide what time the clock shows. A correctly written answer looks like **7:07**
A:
**3:12**
